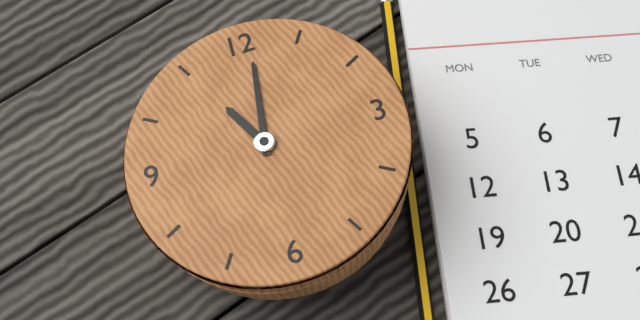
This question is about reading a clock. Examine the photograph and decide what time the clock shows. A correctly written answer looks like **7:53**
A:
**11:01**
